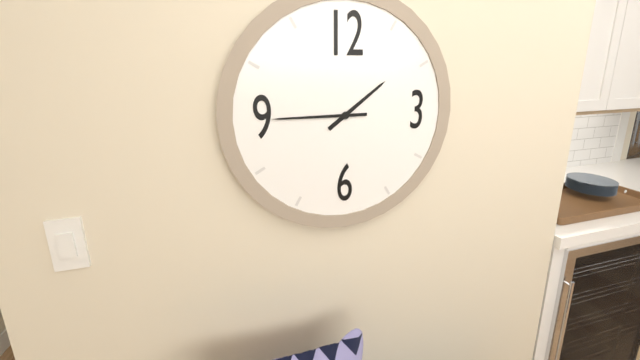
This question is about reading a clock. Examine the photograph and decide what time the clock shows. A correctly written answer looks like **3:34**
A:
**1:45**
